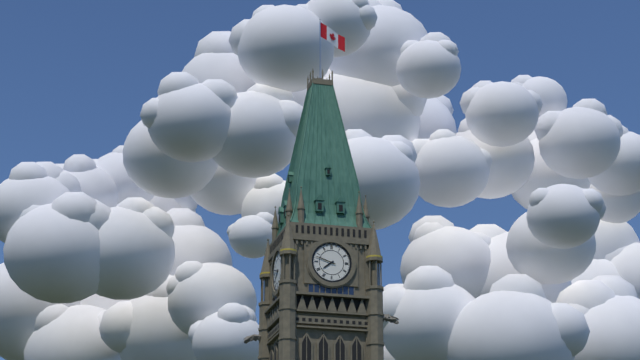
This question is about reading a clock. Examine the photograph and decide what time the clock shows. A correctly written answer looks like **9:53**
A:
**7:48**
